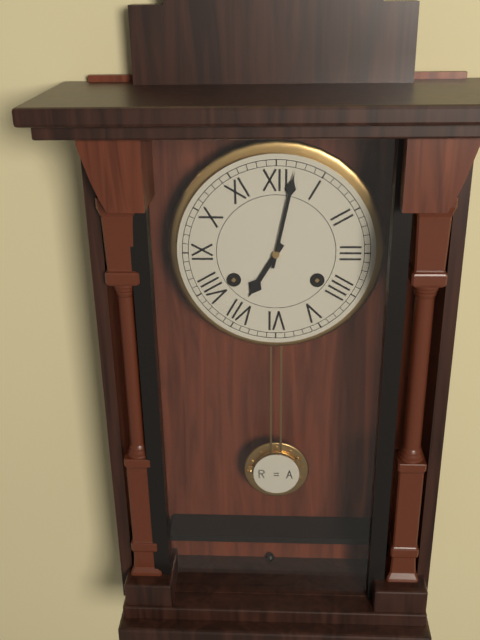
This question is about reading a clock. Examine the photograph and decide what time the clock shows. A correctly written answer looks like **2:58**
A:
**7:02**
